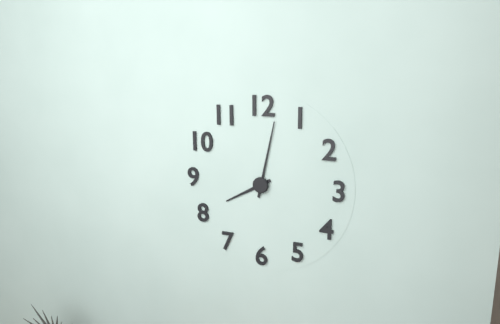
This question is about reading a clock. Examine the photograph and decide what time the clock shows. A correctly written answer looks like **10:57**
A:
**8:02**
